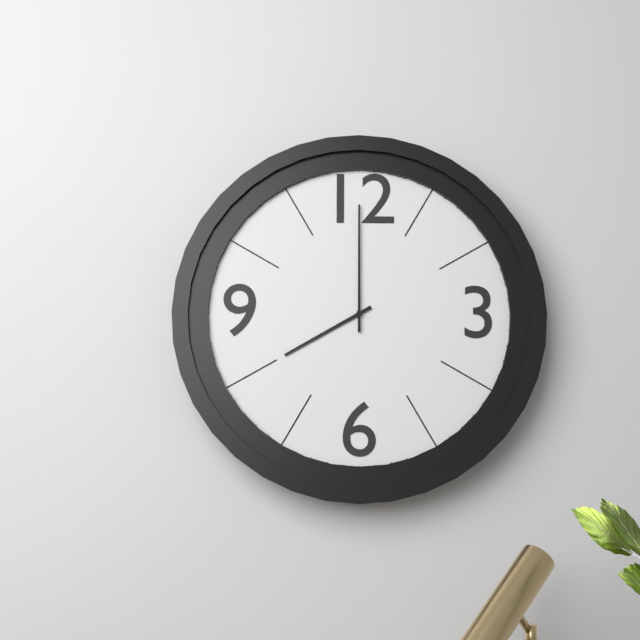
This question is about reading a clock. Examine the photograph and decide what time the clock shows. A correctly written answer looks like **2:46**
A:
**8:00**
